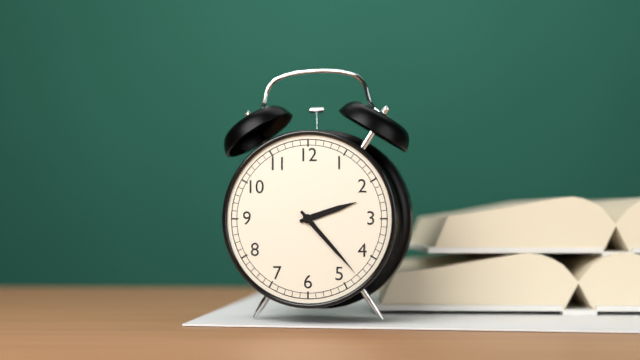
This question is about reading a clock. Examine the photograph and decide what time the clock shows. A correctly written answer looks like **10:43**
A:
**2:23**
